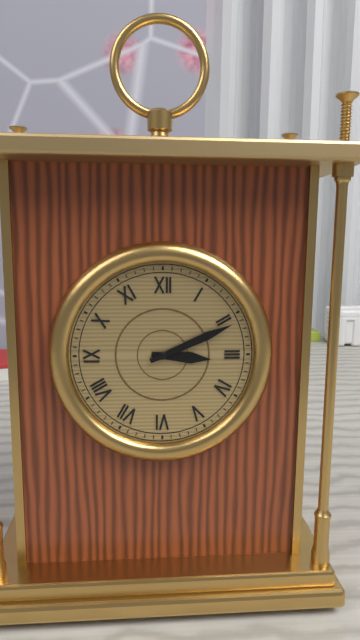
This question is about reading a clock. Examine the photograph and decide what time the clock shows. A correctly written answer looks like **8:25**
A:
**3:11**
